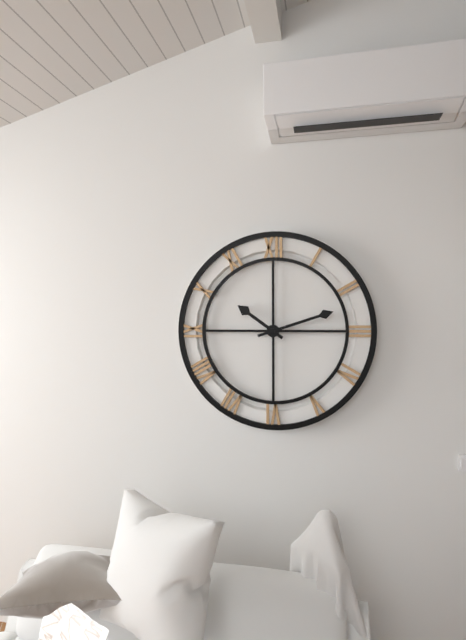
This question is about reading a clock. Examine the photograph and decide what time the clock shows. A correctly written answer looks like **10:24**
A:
**10:12**
